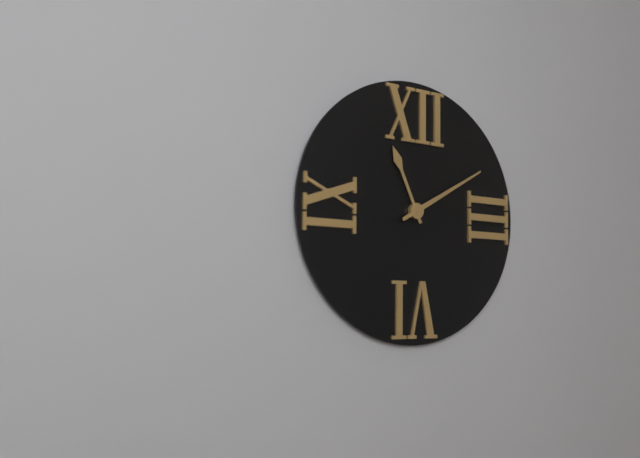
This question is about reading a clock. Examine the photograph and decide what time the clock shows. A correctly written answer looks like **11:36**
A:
**11:10**
